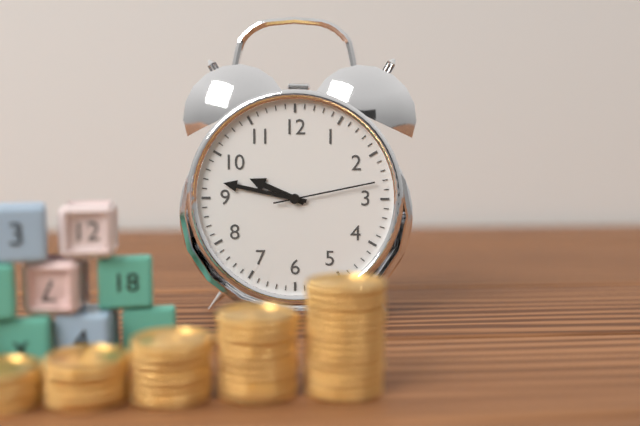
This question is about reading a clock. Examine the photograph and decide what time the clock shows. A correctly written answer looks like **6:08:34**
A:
**9:47:13**
